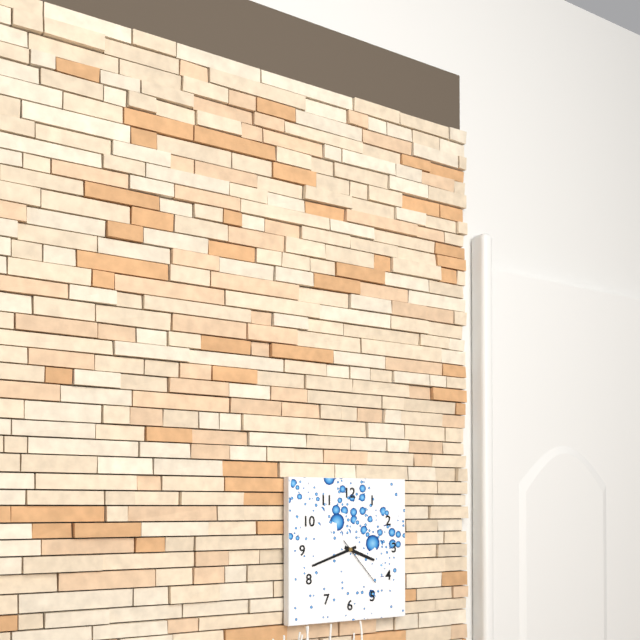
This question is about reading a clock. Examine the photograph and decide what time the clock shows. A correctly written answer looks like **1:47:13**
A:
**3:42:23**
